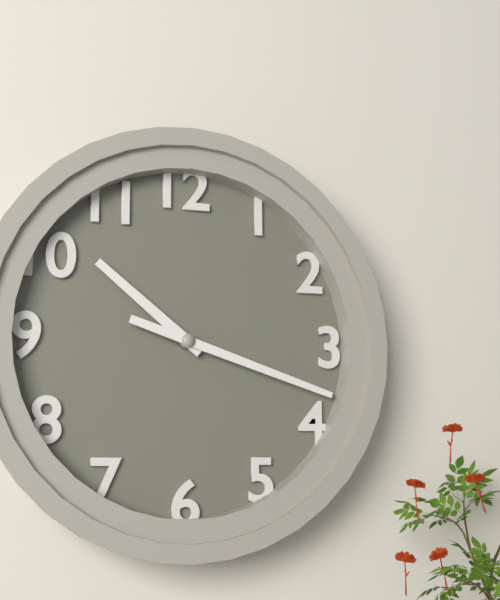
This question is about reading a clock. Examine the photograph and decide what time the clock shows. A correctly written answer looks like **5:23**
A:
**10:18**
